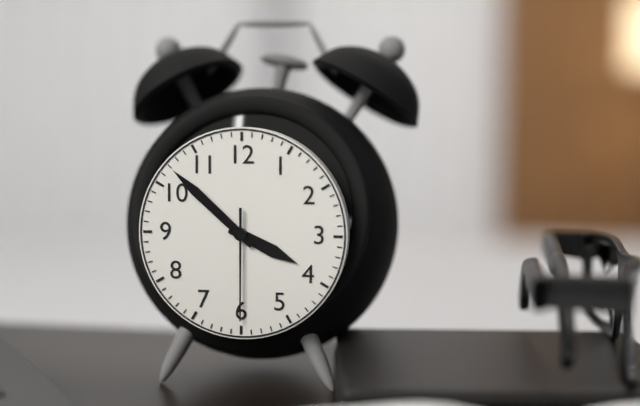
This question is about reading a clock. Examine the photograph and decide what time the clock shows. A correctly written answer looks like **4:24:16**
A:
**3:52:30**
